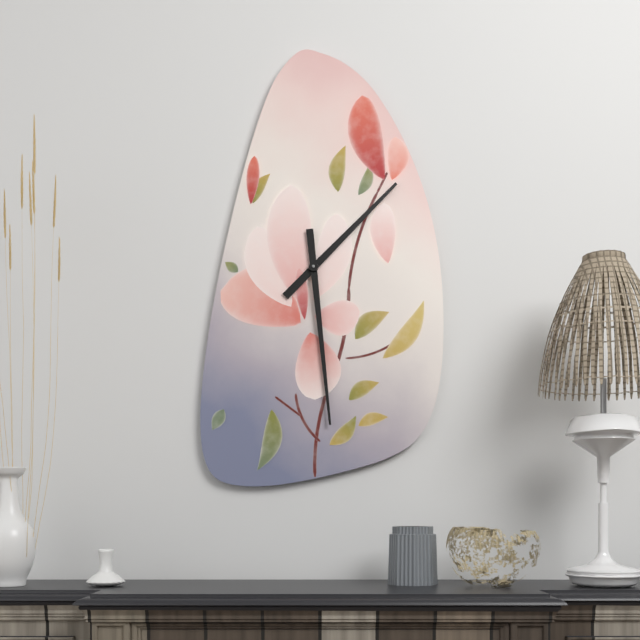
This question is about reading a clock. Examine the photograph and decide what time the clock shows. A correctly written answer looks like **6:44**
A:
**1:29**
